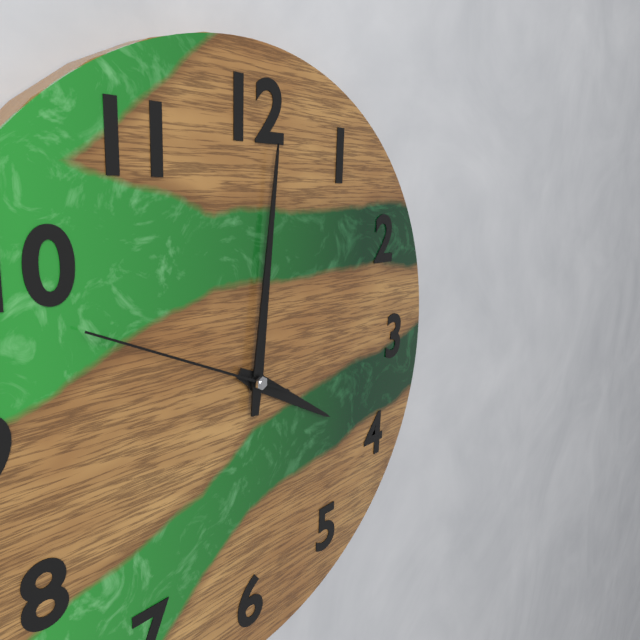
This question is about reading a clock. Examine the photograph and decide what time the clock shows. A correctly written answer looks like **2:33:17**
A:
**4:01:49**
